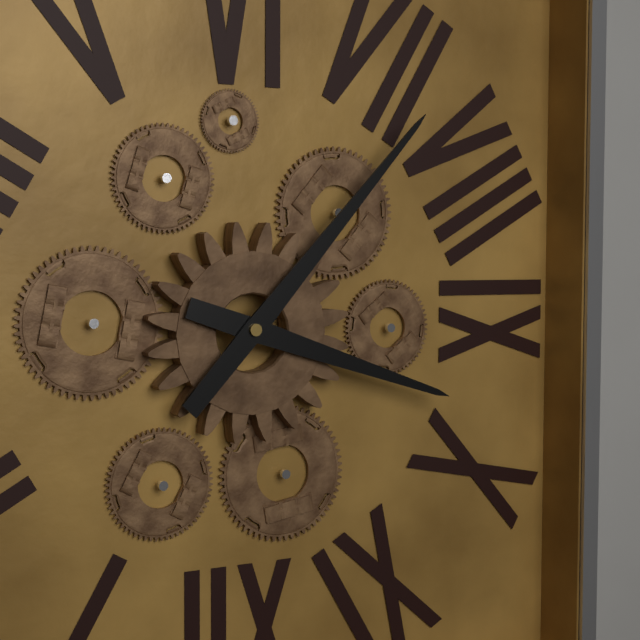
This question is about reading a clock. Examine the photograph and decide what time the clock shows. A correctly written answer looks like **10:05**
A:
**9:37**
